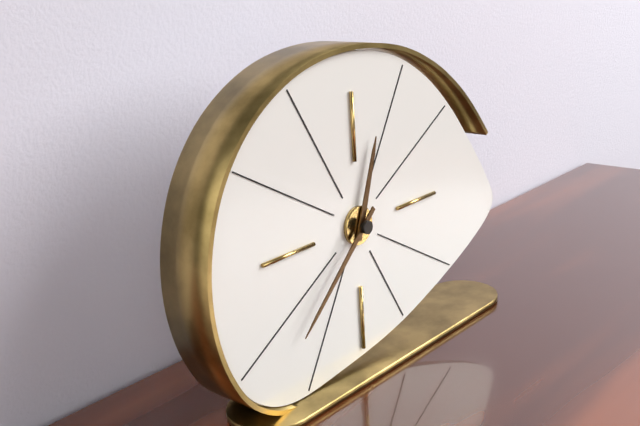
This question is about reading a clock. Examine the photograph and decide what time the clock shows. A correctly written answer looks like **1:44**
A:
**12:38**
